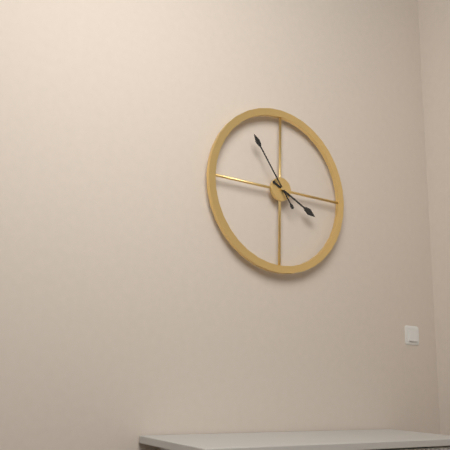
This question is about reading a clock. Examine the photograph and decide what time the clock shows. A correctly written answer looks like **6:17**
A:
**3:54**
